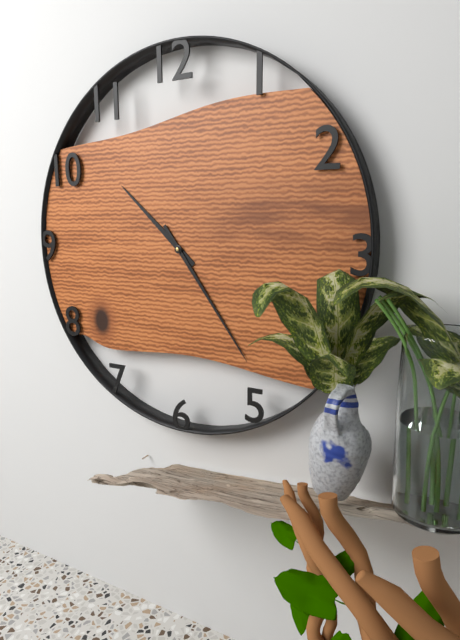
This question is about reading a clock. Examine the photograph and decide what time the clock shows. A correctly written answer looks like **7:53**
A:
**10:24**
